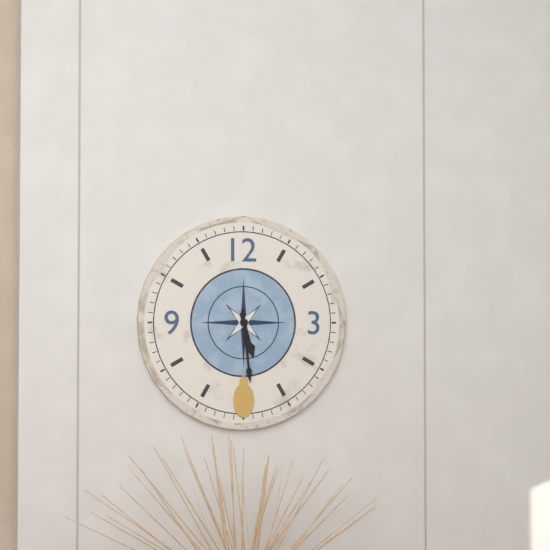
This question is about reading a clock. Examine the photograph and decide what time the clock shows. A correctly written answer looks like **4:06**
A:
**5:29**
